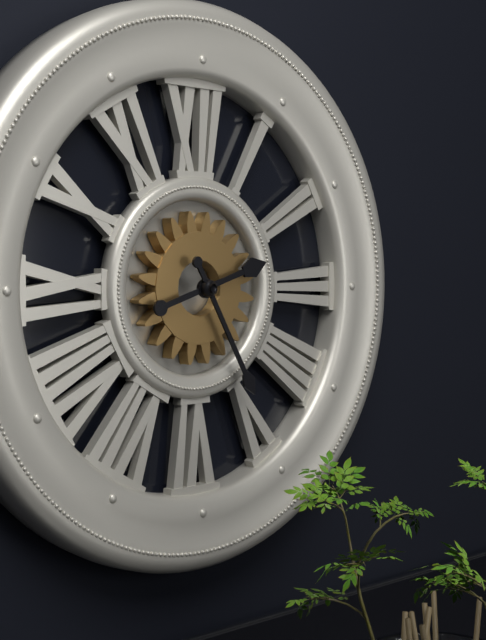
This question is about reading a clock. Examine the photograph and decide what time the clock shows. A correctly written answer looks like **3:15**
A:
**2:25**
